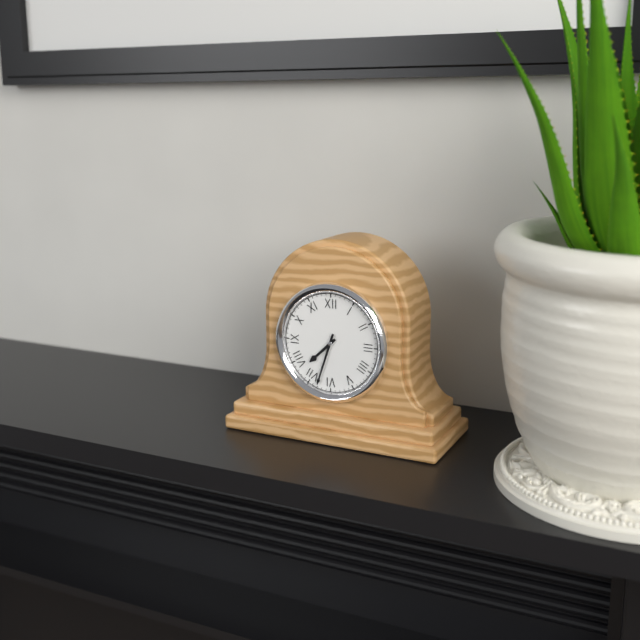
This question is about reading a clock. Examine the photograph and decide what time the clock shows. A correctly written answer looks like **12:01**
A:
**7:33**
